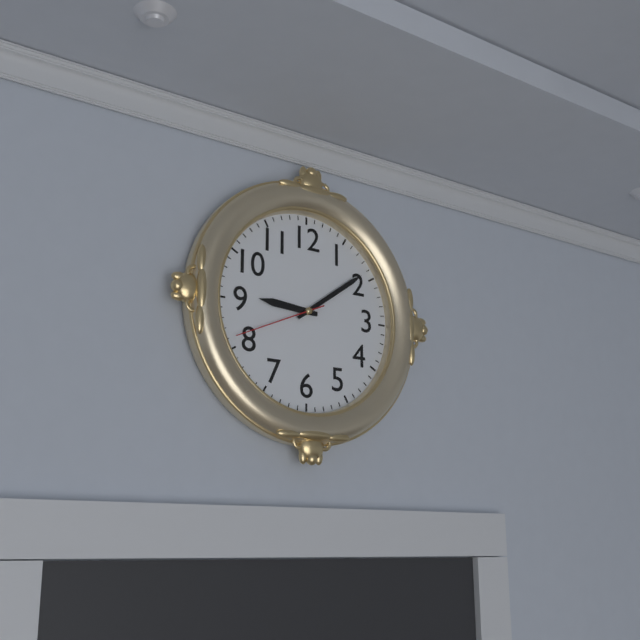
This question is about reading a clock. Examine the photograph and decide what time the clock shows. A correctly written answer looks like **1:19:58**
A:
**9:09:41**
